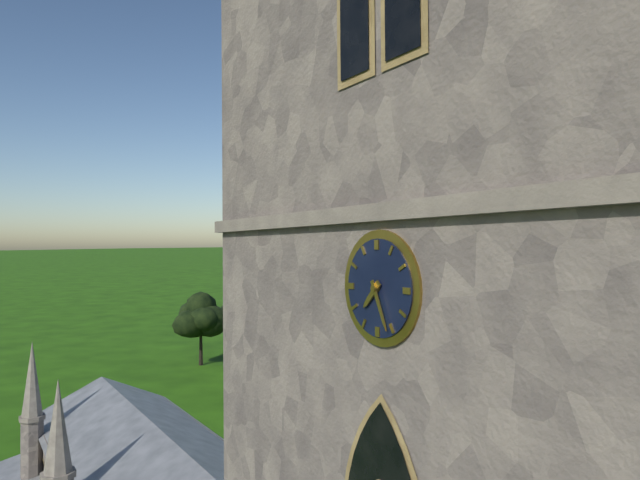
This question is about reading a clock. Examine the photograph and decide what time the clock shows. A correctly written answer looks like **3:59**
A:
**7:26**
